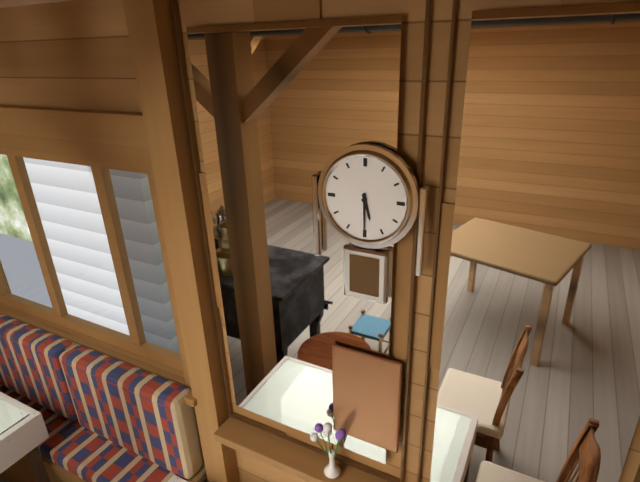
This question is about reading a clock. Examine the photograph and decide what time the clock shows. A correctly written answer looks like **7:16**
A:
**5:30**
